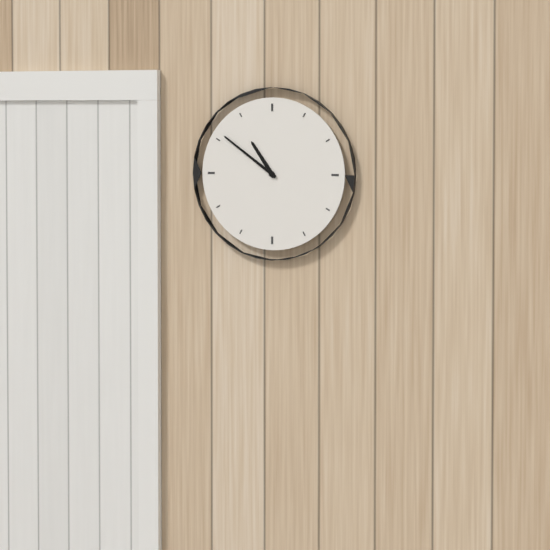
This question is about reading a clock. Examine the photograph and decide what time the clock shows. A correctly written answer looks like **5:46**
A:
**10:51**
